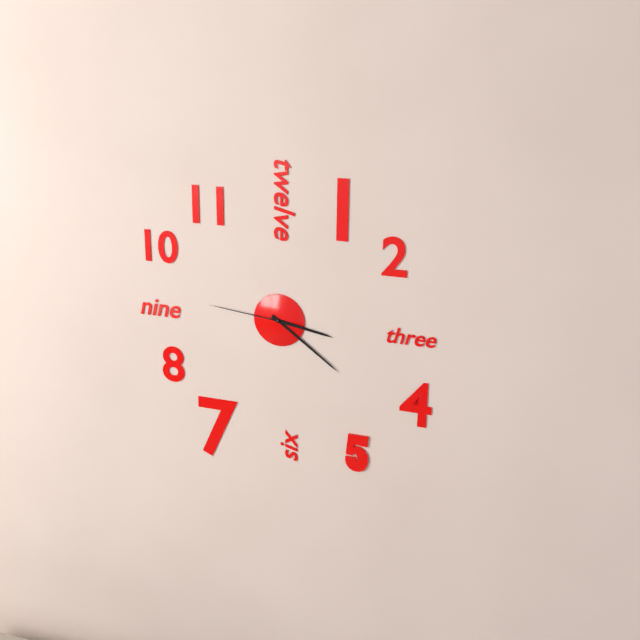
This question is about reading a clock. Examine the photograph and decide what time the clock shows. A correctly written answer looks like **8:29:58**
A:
**3:21:46**
